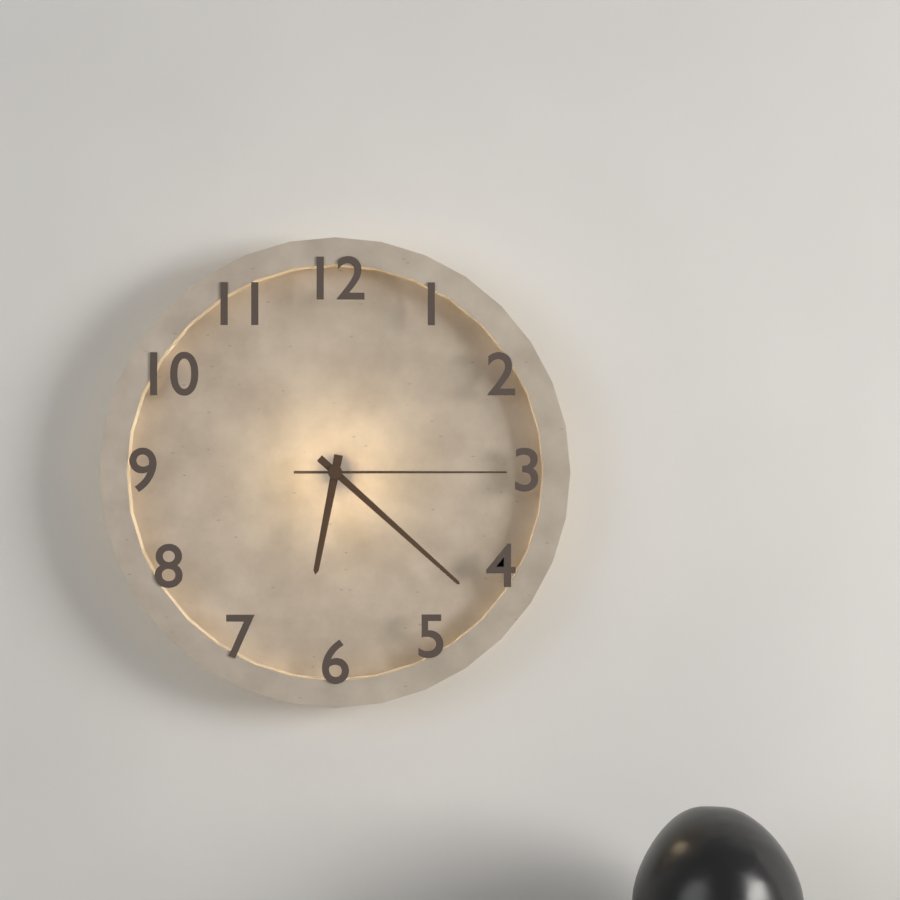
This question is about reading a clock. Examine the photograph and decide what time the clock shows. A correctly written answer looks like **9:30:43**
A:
**6:22:15**
